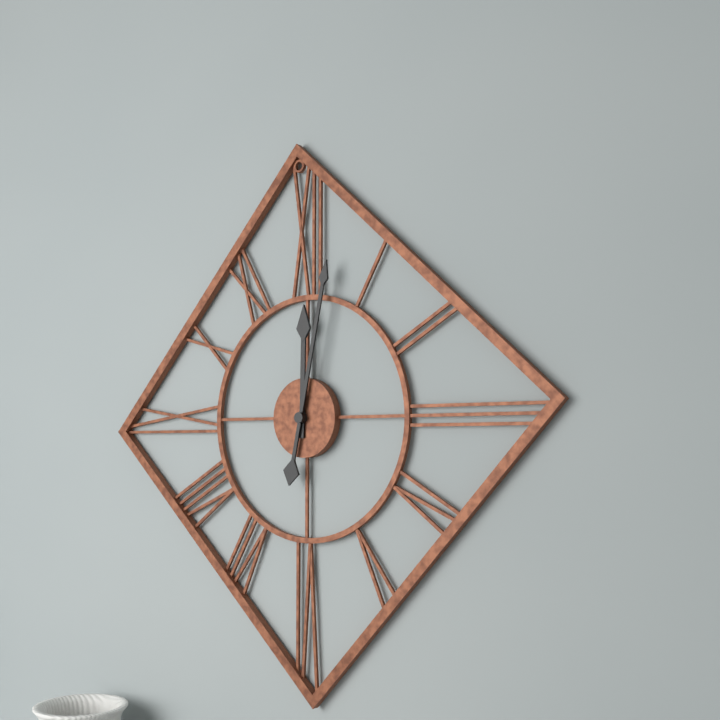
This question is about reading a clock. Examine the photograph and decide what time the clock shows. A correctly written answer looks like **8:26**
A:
**12:02**
